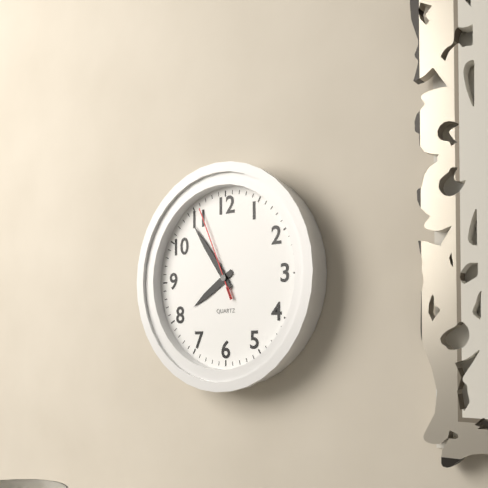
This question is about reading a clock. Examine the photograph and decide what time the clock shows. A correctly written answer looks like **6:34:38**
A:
**7:54:56**
